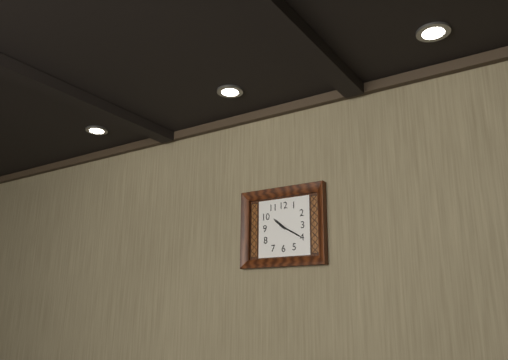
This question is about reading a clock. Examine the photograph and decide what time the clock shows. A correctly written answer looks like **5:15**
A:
**10:20**
